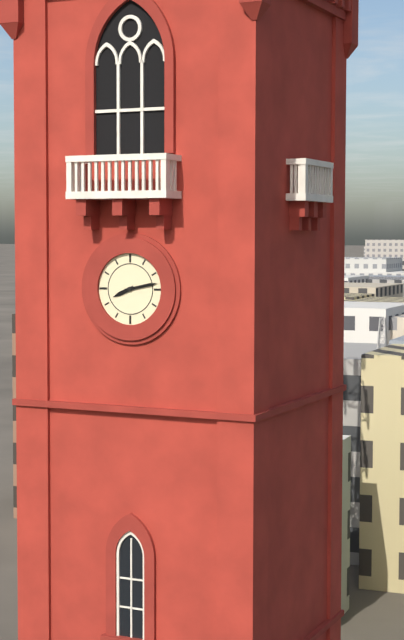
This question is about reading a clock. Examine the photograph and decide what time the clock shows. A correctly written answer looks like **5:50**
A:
**8:13**
